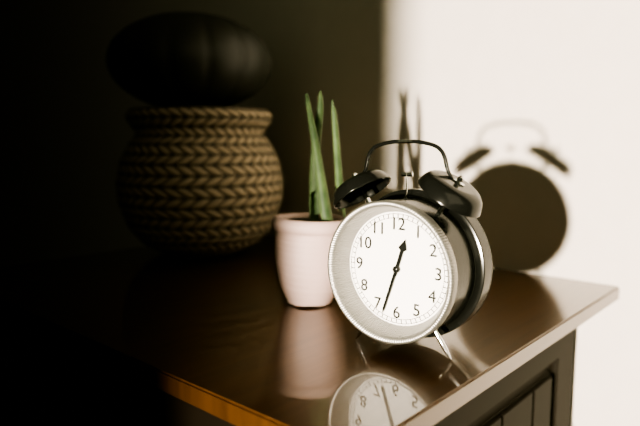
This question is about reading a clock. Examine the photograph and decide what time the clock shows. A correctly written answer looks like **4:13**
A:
**12:33**
